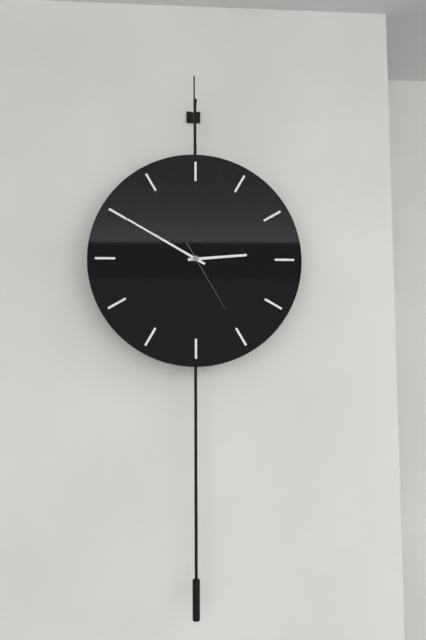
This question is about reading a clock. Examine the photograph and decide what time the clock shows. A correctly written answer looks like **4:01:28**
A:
**2:50:25**
